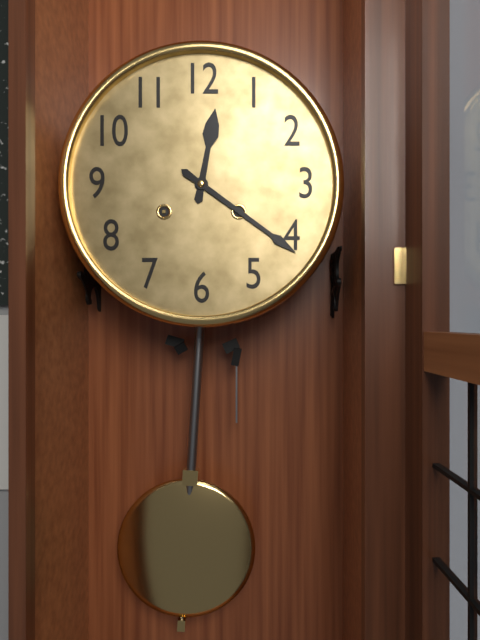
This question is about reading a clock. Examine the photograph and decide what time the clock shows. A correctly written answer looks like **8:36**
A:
**12:21**
